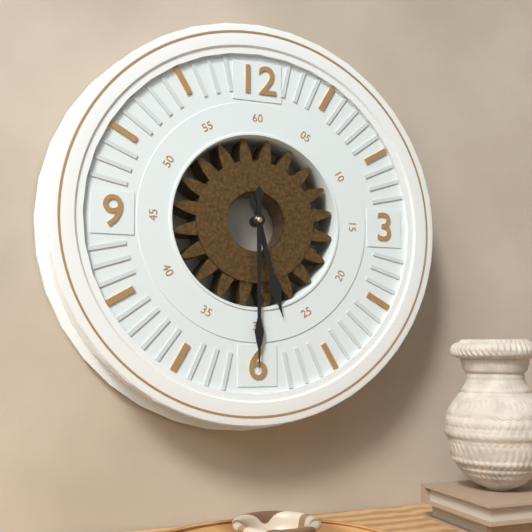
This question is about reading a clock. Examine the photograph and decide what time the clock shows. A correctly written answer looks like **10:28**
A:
**5:30**
